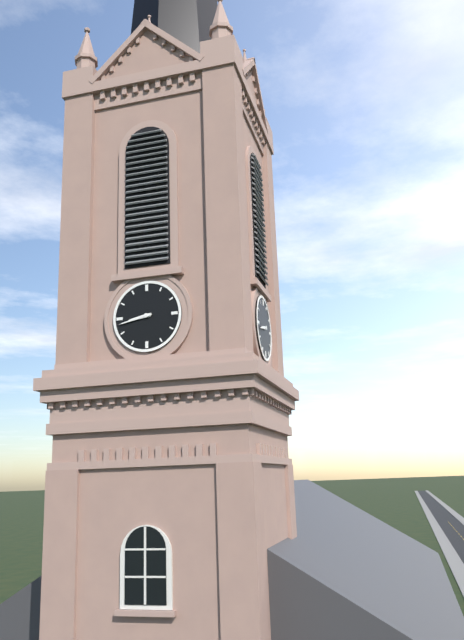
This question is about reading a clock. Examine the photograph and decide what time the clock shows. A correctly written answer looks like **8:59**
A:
**8:43**
